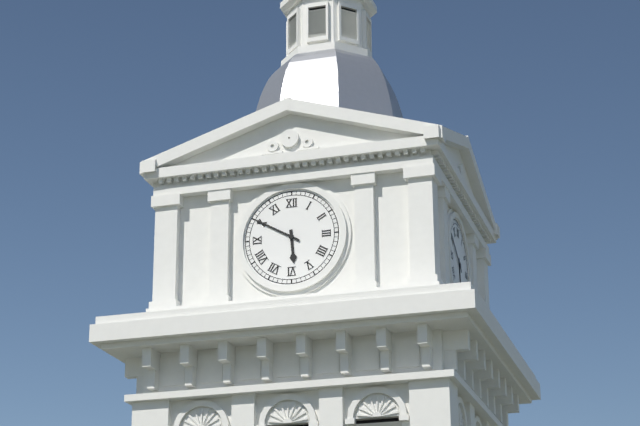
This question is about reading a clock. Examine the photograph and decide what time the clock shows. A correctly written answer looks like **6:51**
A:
**5:50**
